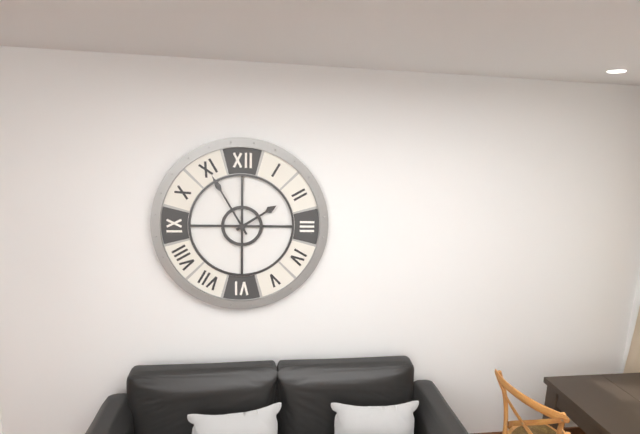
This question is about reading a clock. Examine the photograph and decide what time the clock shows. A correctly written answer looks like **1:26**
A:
**1:55**
